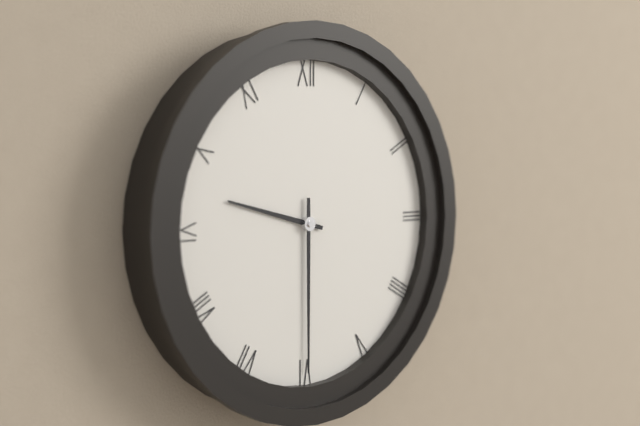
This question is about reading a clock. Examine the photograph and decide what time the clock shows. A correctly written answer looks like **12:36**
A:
**9:30**
